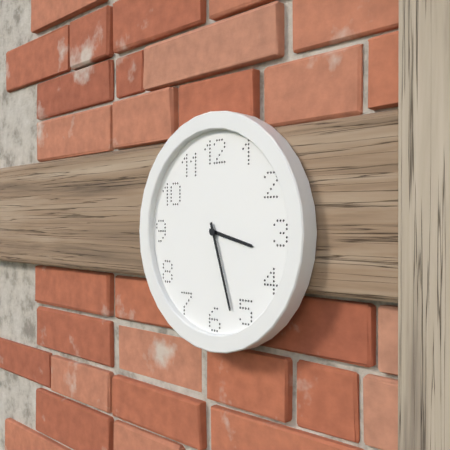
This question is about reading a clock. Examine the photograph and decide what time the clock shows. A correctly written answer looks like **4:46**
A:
**3:27**
